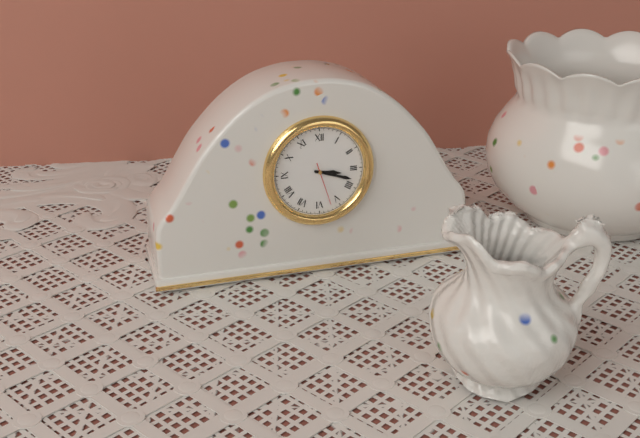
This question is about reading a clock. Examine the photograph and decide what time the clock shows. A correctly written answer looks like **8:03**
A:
**3:18**
